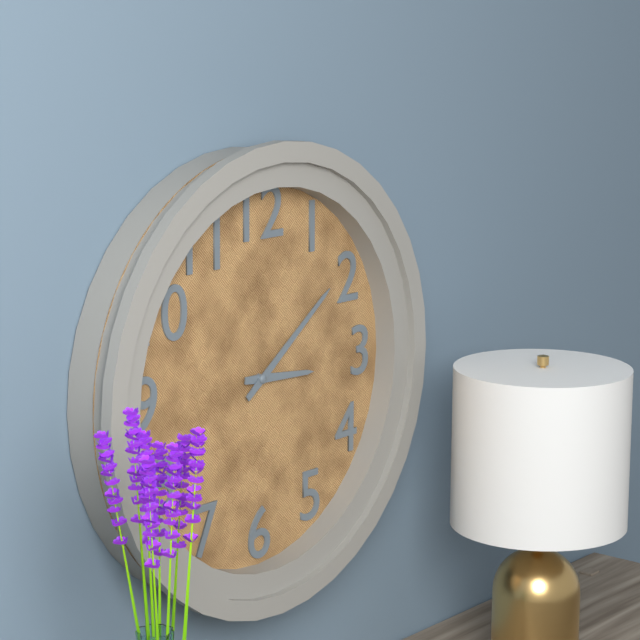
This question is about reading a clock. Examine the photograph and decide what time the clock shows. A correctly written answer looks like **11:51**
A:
**3:09**
